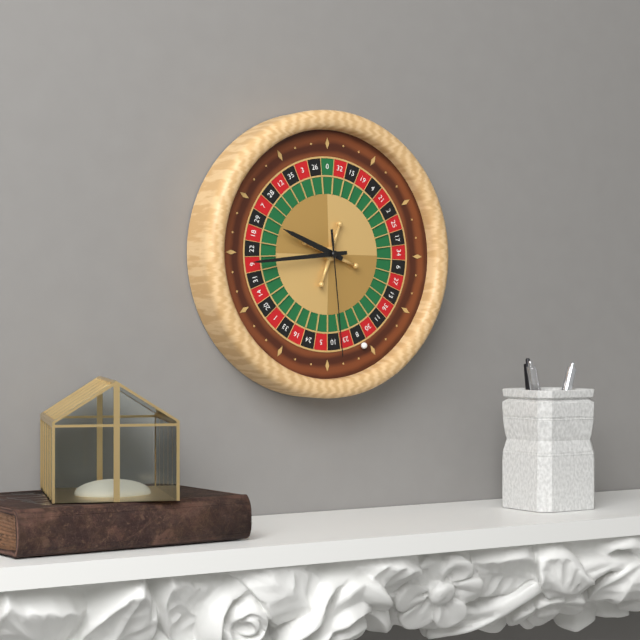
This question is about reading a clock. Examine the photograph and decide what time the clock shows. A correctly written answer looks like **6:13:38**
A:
**9:44:29**
